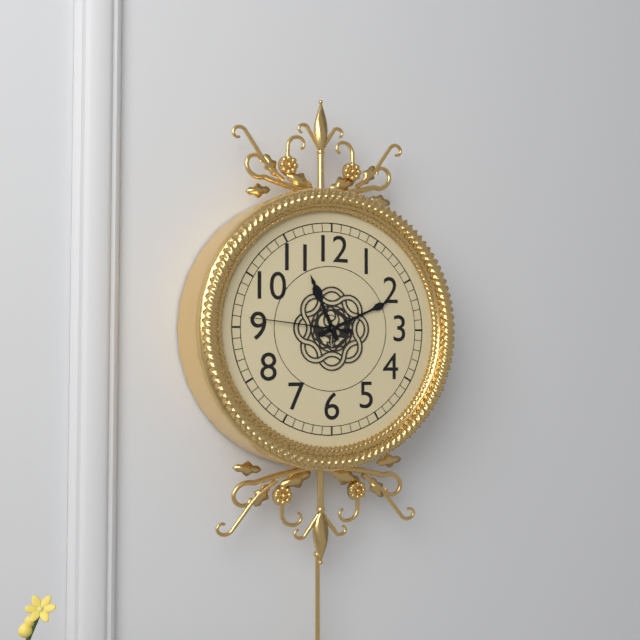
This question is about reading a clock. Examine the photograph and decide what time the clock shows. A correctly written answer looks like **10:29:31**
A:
**11:11:46**
